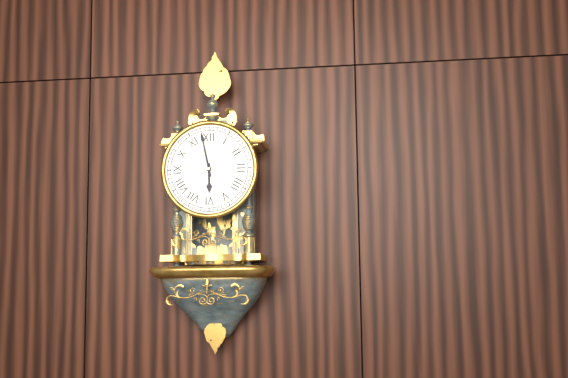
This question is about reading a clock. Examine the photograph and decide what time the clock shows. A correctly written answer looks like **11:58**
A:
**5:58**
